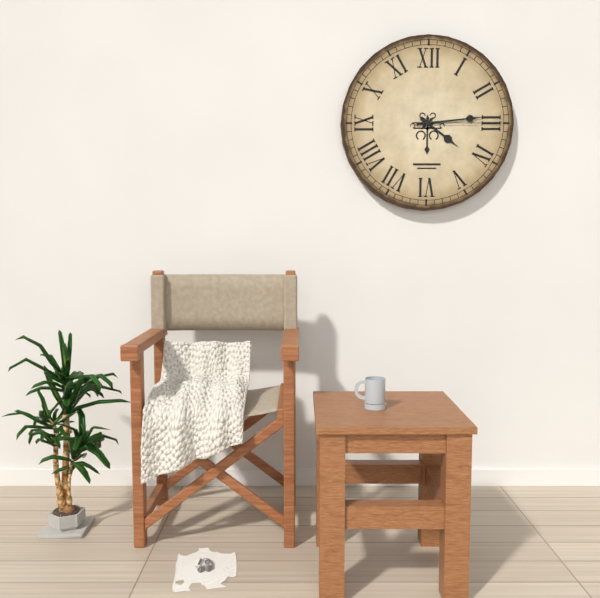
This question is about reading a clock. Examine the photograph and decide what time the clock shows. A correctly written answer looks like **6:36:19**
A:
**4:14:15**
